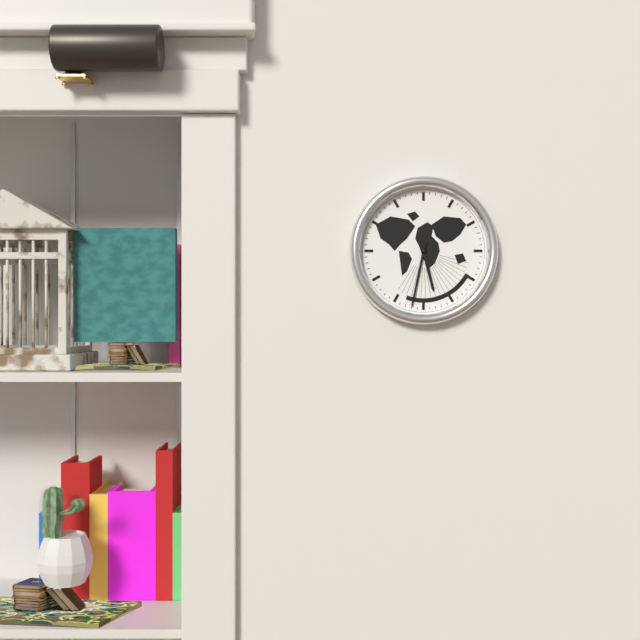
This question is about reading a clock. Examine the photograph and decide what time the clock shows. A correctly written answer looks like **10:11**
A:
**5:32**
